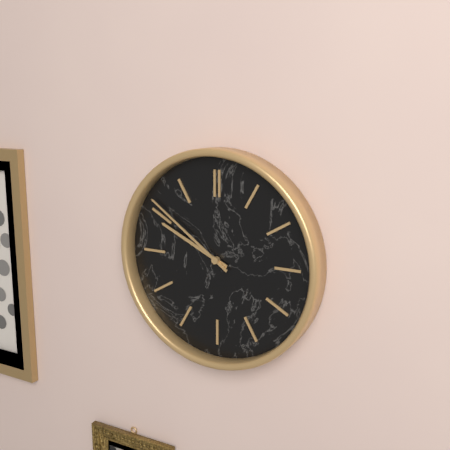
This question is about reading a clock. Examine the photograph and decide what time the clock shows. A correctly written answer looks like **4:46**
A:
**9:51**
